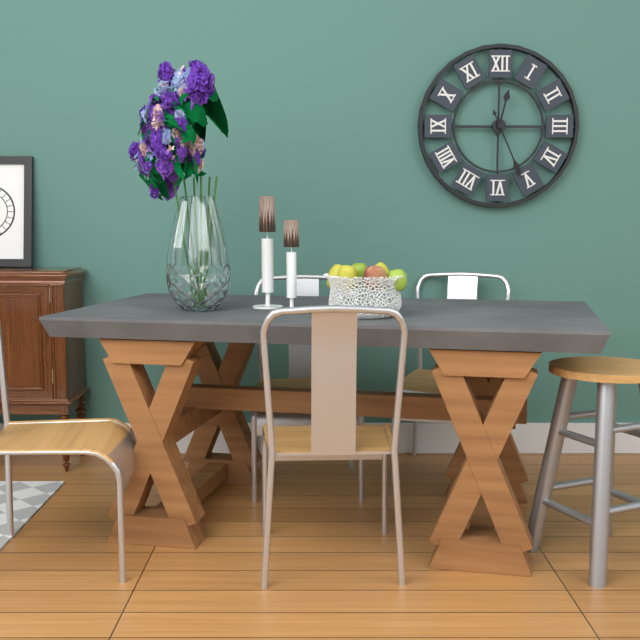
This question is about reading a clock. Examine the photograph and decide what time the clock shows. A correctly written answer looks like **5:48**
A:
**12:26**
